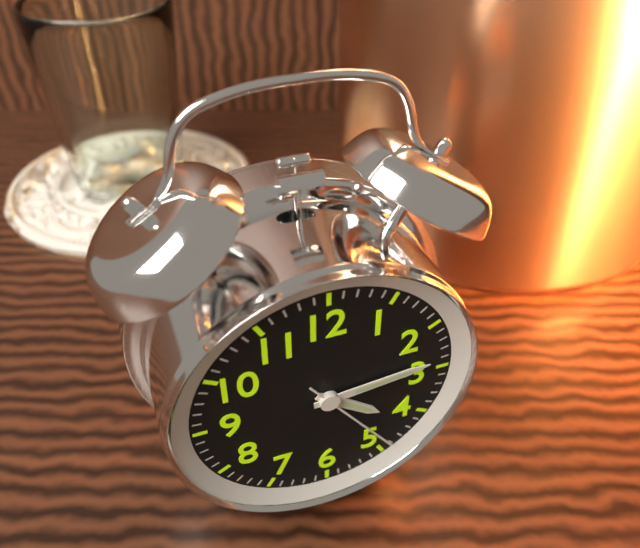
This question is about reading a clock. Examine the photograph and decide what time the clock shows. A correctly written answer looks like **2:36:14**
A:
**4:14:24**
